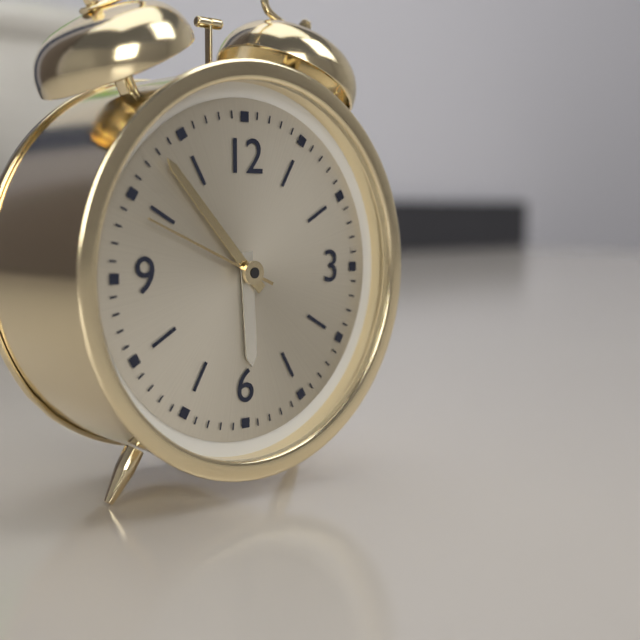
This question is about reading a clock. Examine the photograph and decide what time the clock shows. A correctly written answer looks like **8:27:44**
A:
**5:53:49**
